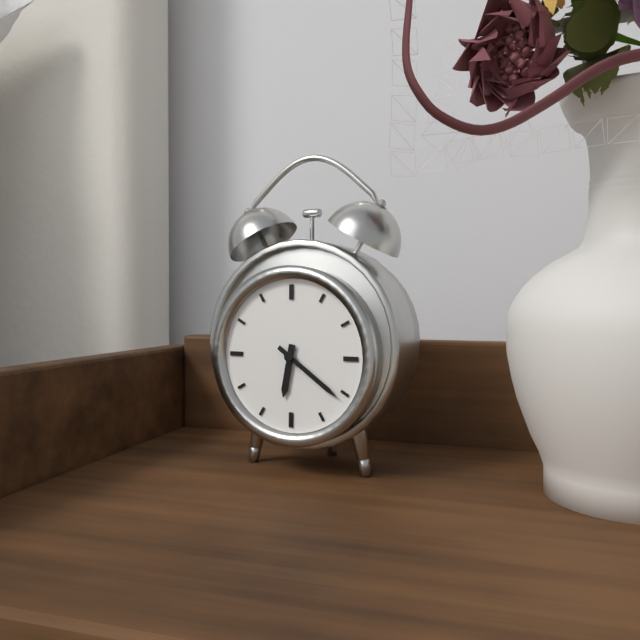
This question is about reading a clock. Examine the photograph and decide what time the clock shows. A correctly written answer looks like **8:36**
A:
**6:21**
